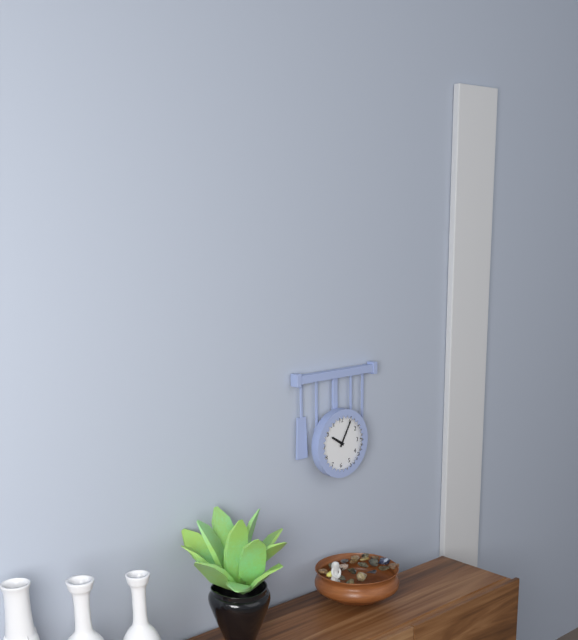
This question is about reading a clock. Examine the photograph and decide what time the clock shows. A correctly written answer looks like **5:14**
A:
**10:05**
